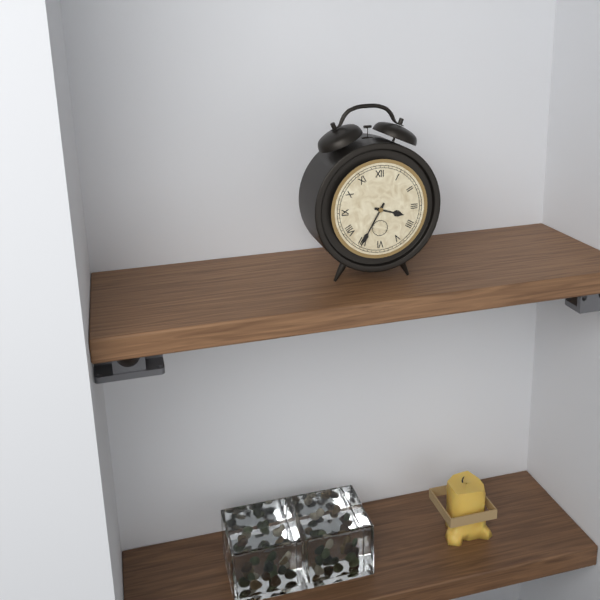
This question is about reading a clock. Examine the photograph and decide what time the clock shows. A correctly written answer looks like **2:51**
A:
**3:35**
